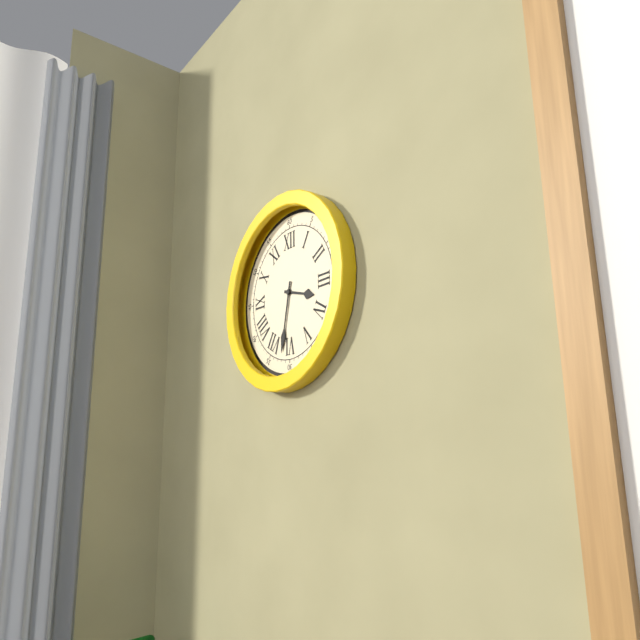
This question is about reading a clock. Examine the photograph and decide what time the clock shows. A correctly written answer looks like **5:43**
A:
**3:32**
